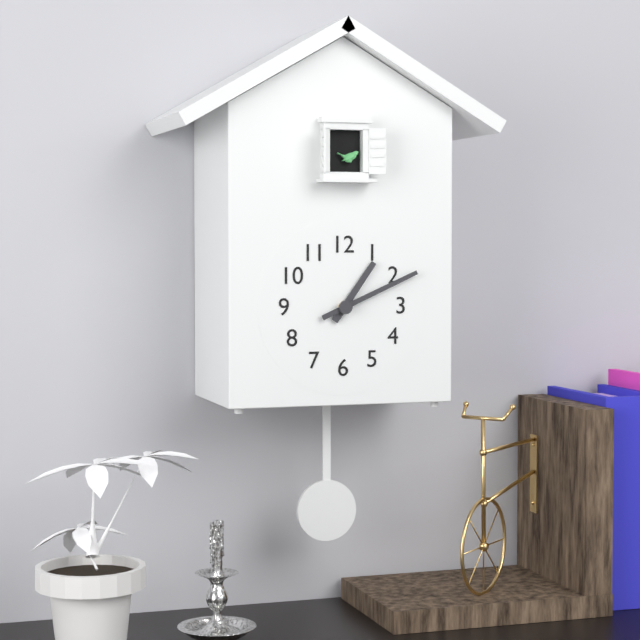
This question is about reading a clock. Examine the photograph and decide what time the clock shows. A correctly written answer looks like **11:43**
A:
**1:11**
